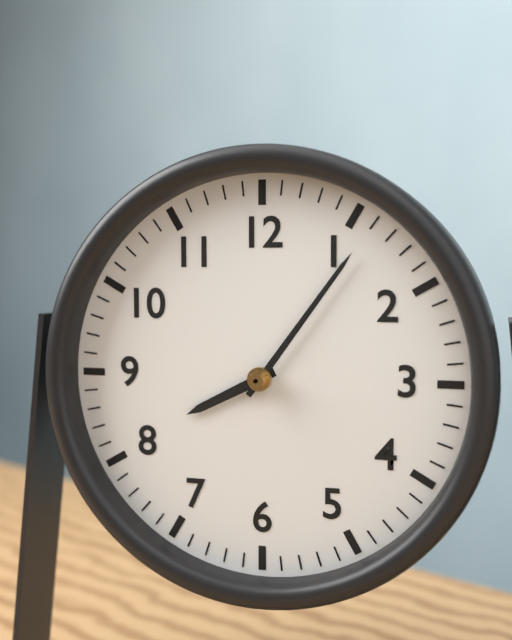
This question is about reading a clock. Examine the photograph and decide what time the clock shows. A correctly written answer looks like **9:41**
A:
**8:06**
